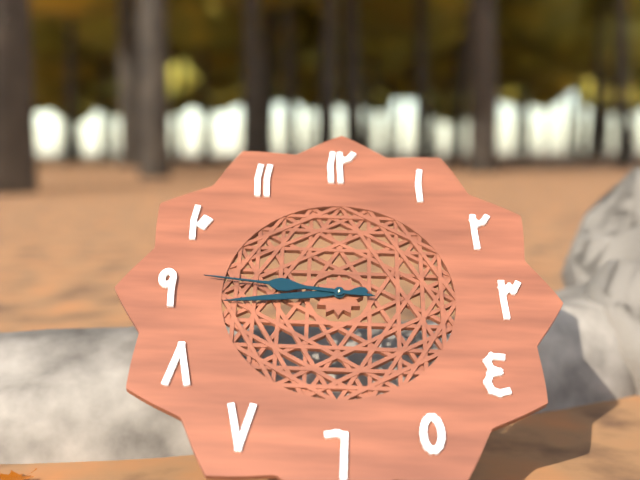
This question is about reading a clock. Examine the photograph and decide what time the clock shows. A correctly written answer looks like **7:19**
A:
**8:46**
